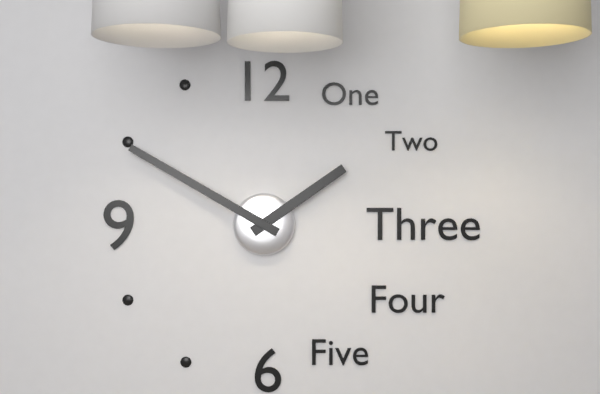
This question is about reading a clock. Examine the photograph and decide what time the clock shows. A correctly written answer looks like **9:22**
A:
**1:50**
